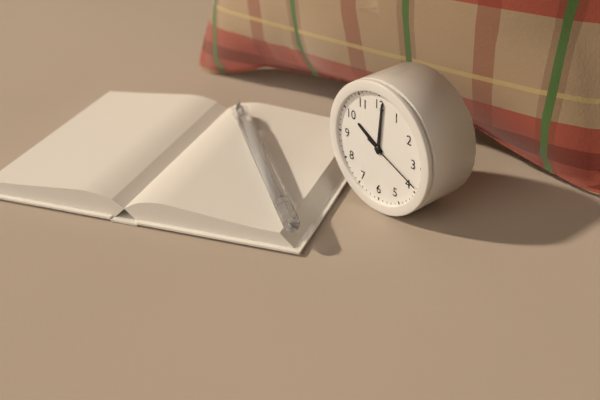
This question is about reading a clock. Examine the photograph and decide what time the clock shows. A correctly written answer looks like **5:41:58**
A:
**10:01:19**
